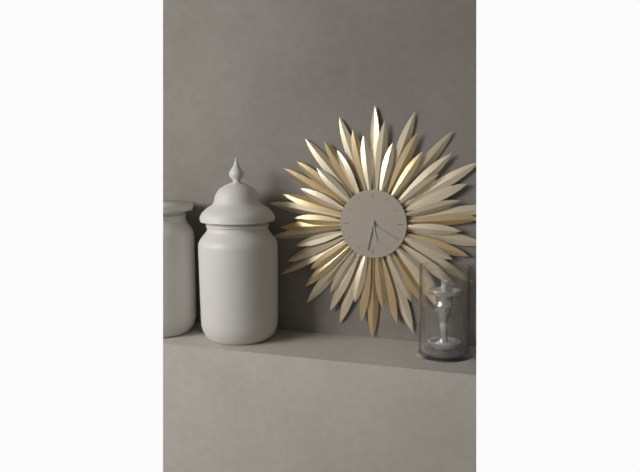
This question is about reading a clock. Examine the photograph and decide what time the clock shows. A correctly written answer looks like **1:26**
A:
**5:32**
